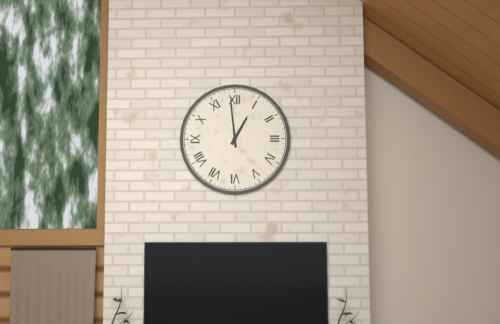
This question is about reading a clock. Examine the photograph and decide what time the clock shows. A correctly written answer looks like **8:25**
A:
**12:59**
